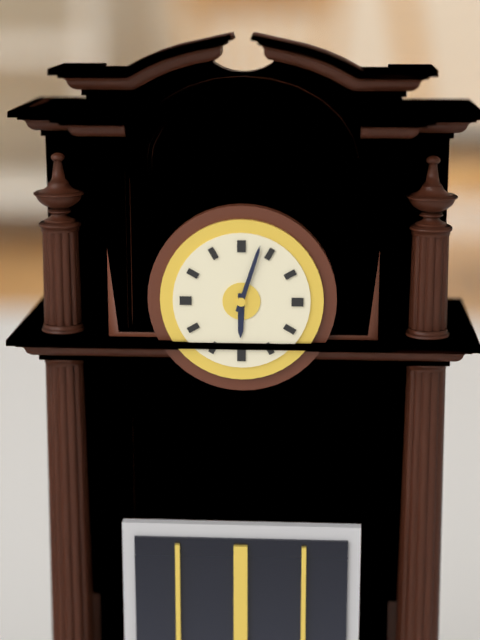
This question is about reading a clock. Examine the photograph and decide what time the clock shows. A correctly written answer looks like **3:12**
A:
**6:03**
